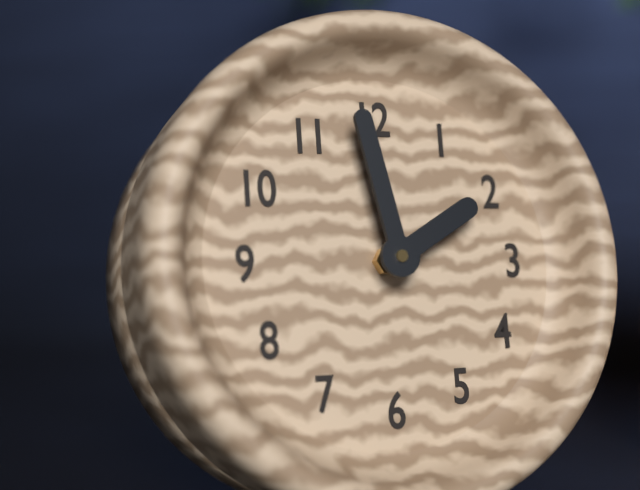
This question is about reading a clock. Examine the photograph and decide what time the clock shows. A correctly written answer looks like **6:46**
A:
**1:58**
